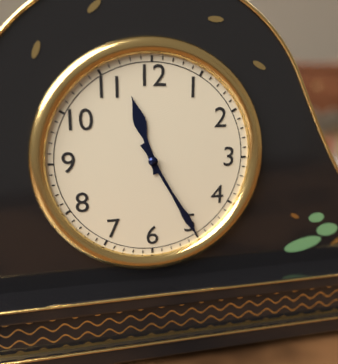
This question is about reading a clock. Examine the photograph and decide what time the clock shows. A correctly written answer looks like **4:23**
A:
**11:25**
